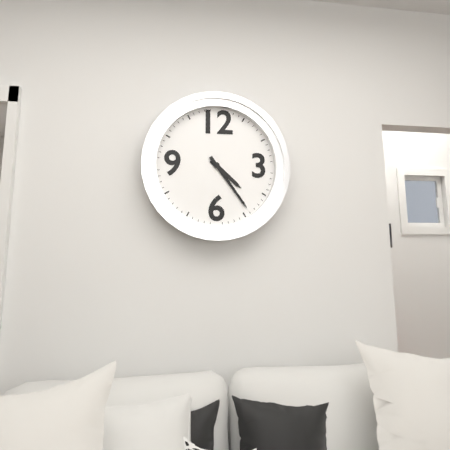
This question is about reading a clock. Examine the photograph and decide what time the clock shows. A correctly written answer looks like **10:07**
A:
**4:24**
